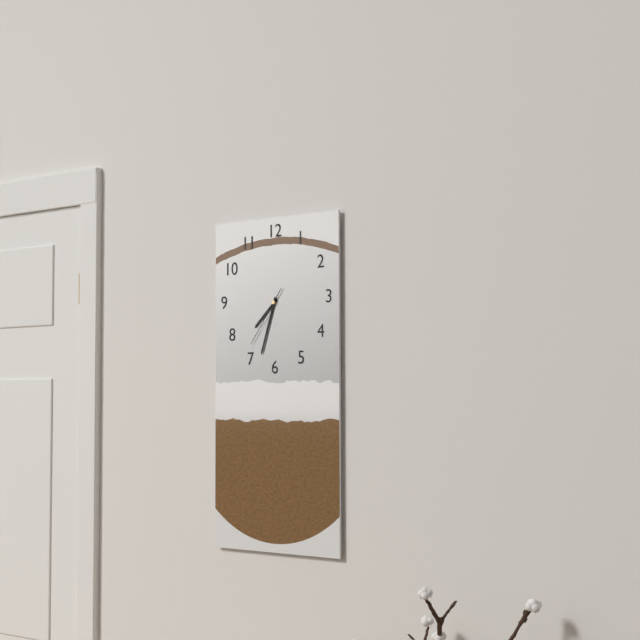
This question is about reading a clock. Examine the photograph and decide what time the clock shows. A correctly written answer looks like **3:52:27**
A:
**7:33:36**
